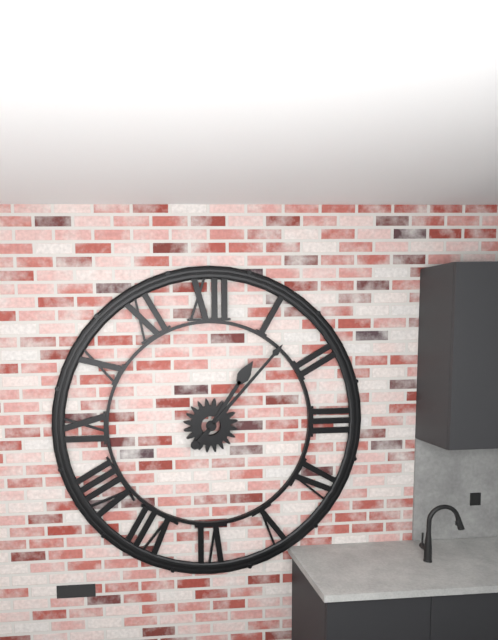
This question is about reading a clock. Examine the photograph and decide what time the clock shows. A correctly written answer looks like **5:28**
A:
**1:07**
